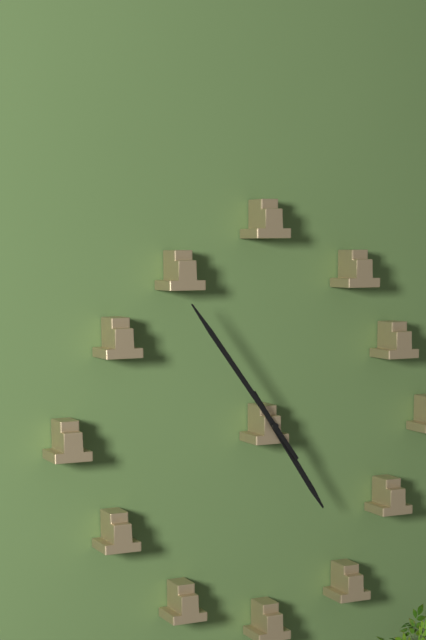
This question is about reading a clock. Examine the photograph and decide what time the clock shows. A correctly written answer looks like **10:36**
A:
**4:54**
